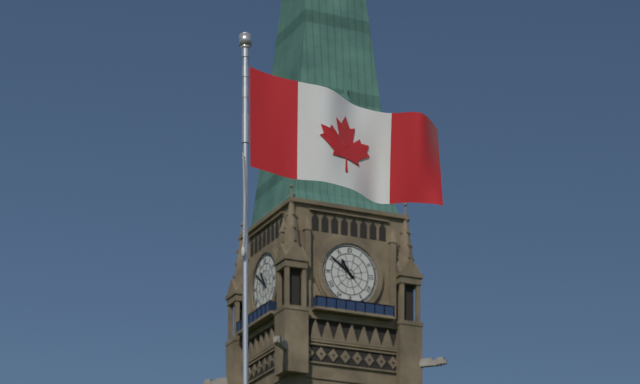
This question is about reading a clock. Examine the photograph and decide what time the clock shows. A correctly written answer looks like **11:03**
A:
**10:51**
